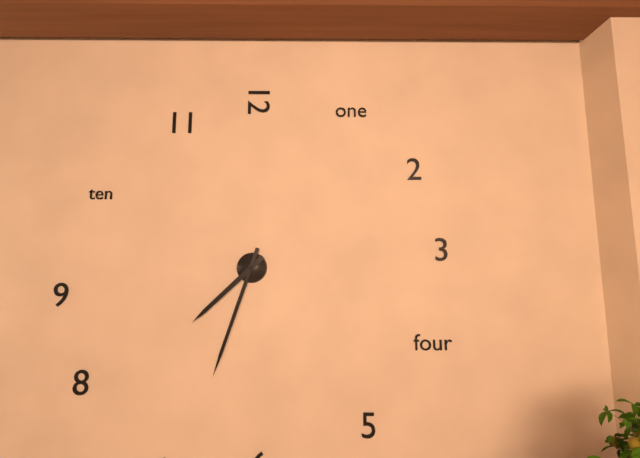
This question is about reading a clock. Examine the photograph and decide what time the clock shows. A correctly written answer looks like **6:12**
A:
**7:33**
